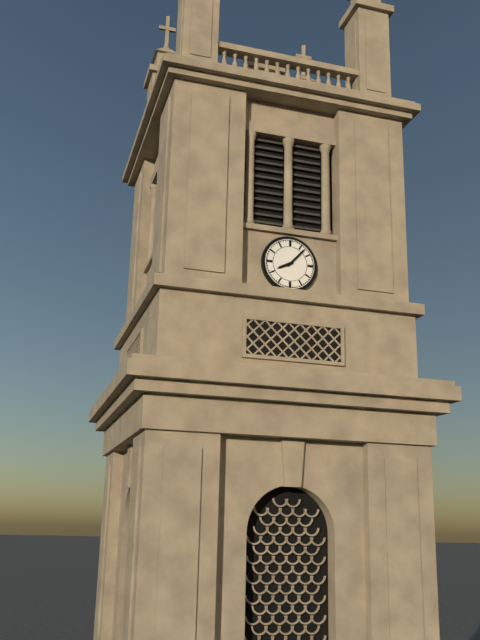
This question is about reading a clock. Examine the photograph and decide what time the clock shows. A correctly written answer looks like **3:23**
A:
**8:07**
